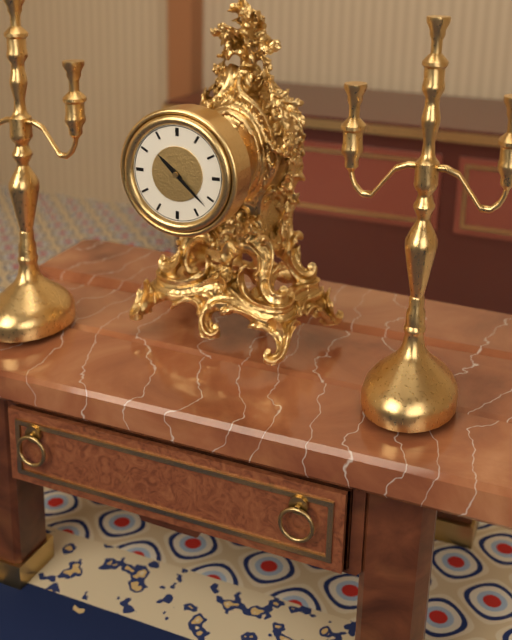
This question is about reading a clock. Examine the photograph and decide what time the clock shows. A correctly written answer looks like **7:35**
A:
**10:22**
